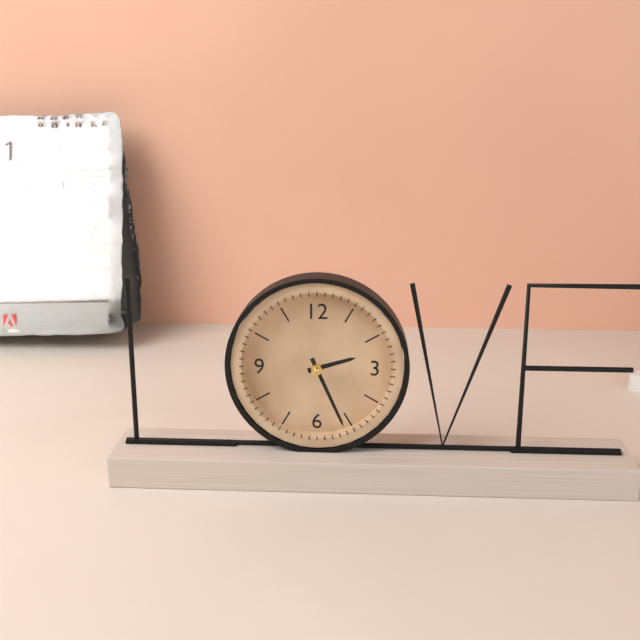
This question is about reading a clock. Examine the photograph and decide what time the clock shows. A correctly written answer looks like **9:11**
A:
**2:26**
